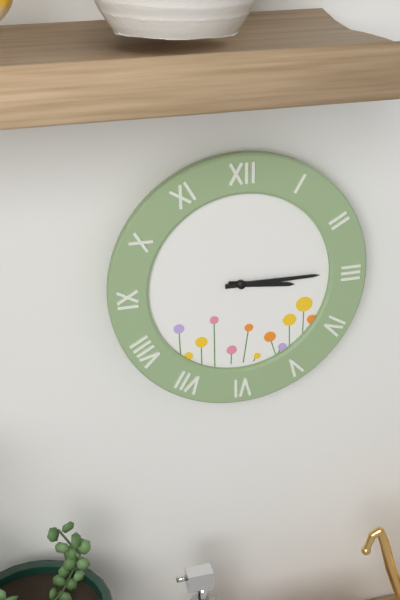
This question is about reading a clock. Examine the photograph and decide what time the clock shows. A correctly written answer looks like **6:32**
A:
**3:15**
